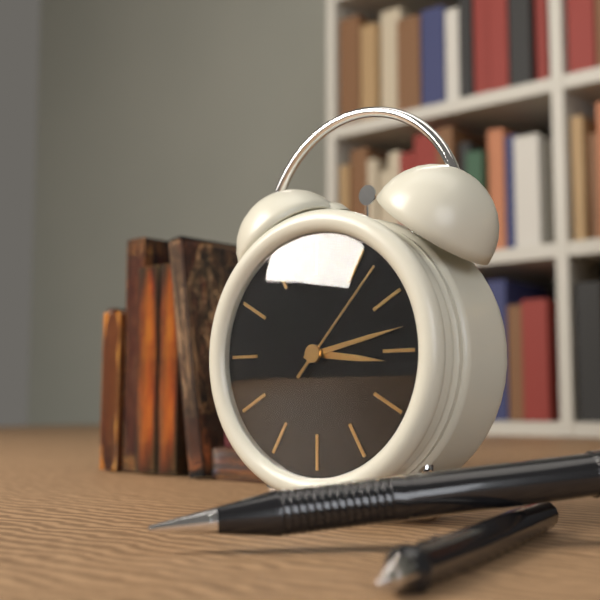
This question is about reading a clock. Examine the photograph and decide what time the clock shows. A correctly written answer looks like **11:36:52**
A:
**3:13:07**
